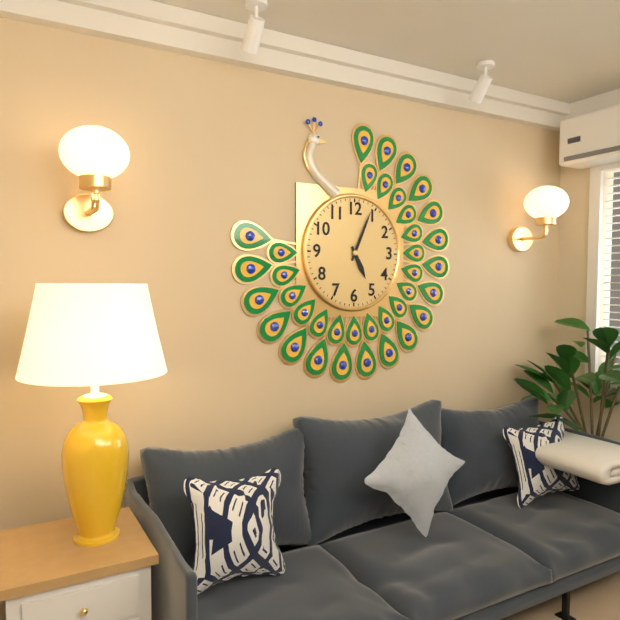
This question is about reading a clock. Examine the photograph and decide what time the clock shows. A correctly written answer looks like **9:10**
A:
**5:04**
